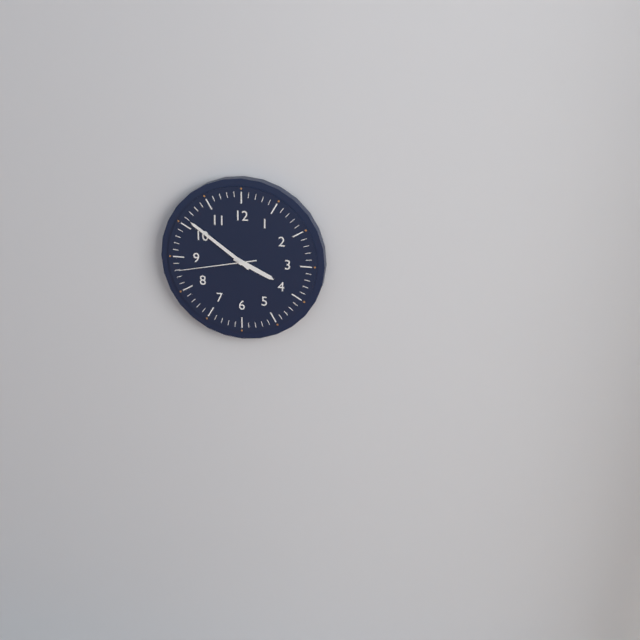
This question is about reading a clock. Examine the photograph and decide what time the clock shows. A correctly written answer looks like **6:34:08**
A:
**3:51:43**
